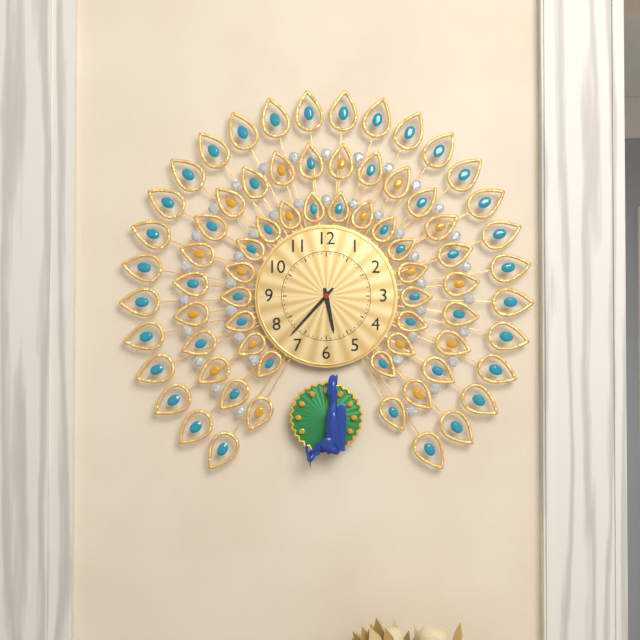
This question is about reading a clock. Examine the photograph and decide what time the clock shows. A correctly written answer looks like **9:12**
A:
**5:37**
